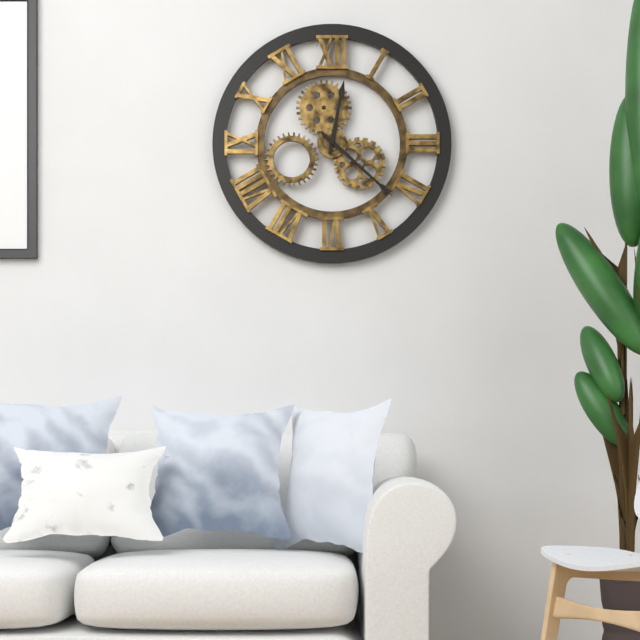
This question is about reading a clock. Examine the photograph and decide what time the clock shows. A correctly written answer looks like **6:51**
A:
**12:22**
